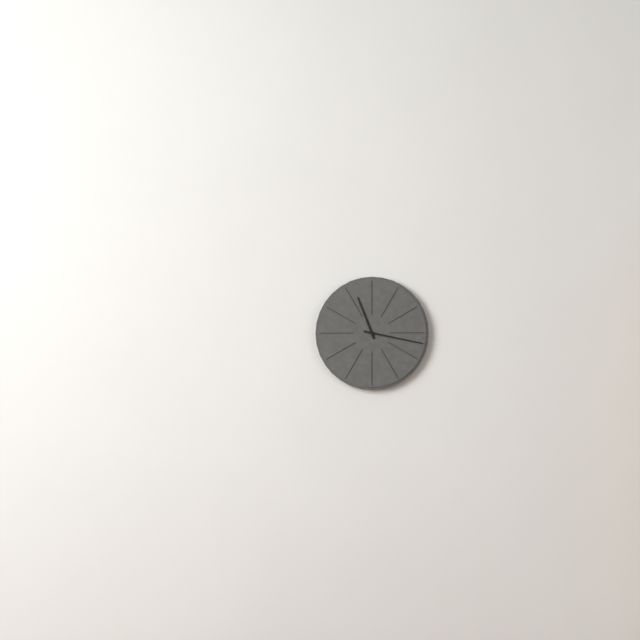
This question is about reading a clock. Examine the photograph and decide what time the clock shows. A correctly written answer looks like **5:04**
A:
**11:17**
